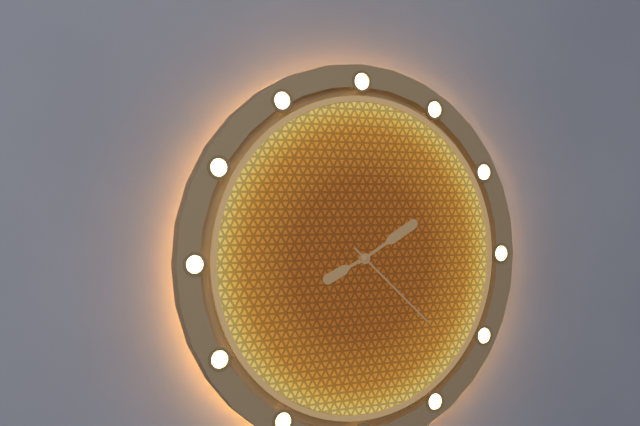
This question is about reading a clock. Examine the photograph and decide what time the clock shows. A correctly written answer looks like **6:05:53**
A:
**8:10:22**
